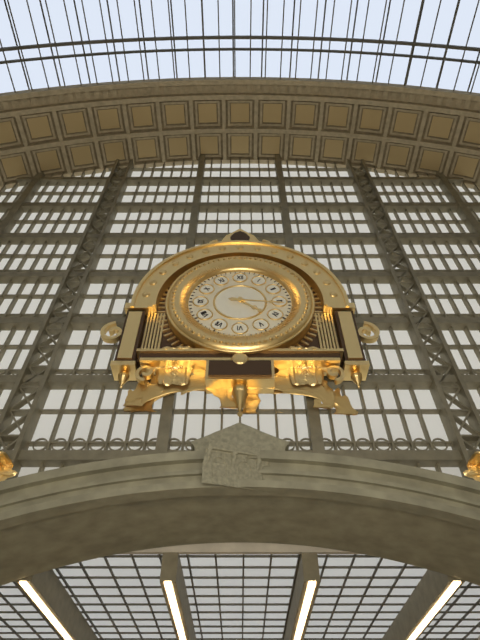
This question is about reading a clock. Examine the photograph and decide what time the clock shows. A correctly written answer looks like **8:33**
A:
**4:16**
